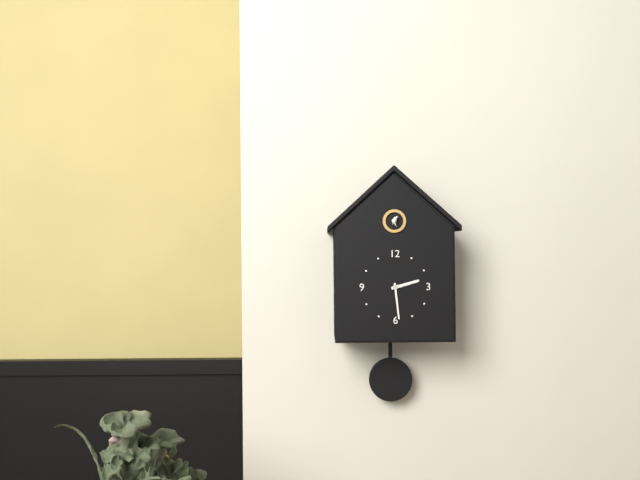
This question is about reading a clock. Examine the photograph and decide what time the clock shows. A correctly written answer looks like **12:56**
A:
**2:29**
